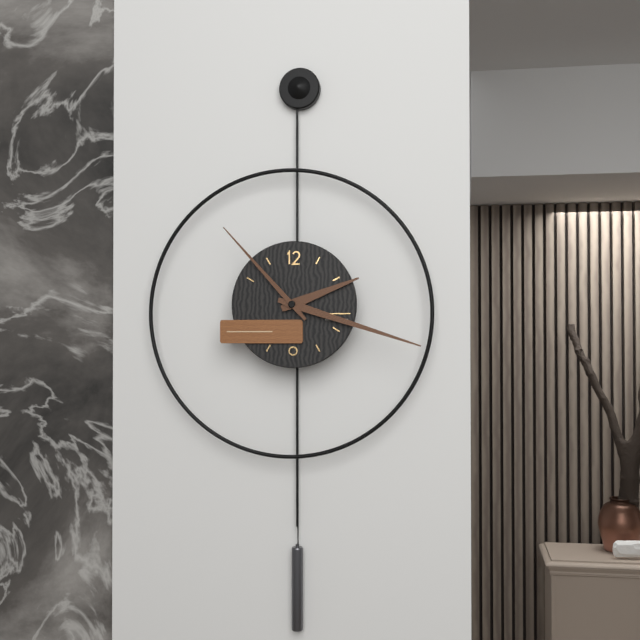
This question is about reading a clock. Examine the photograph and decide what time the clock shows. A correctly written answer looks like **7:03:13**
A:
**2:18:53**
